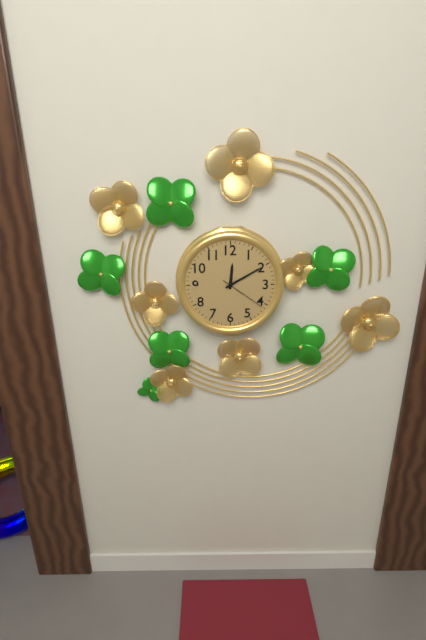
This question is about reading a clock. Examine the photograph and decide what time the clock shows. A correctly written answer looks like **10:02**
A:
**12:10**
